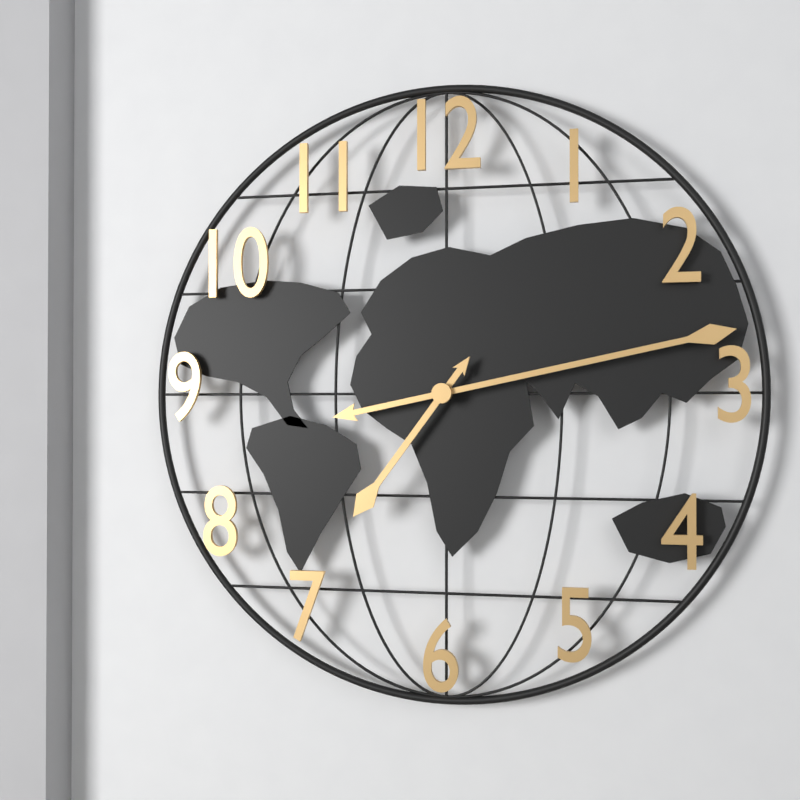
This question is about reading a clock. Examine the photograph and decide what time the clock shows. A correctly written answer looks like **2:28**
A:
**7:13**
